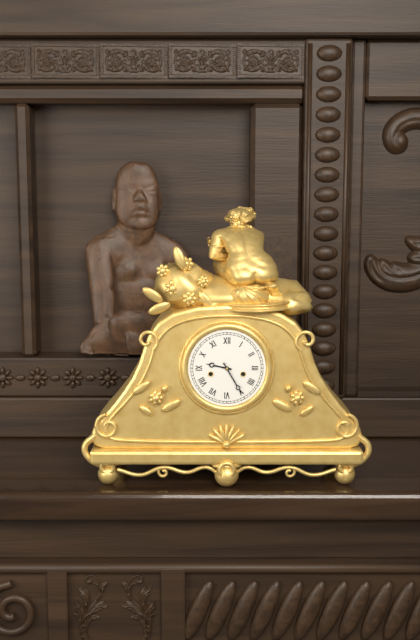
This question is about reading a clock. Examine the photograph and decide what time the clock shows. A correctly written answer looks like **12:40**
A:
**9:25**
